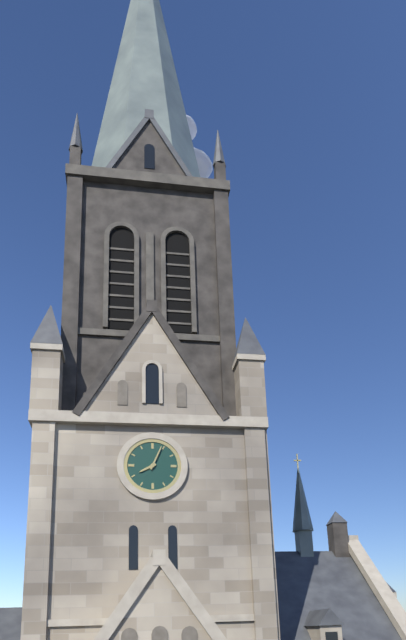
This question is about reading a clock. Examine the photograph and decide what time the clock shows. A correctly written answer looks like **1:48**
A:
**8:04**
